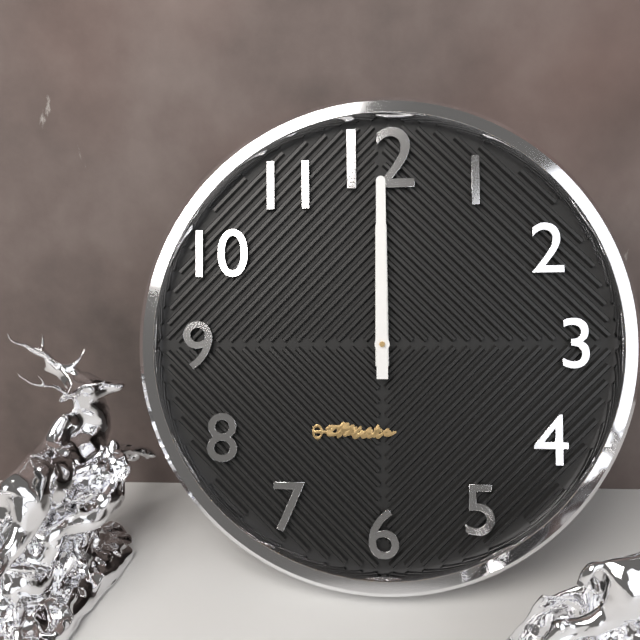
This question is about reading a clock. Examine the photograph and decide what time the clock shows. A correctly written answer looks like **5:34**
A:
**12:00**
